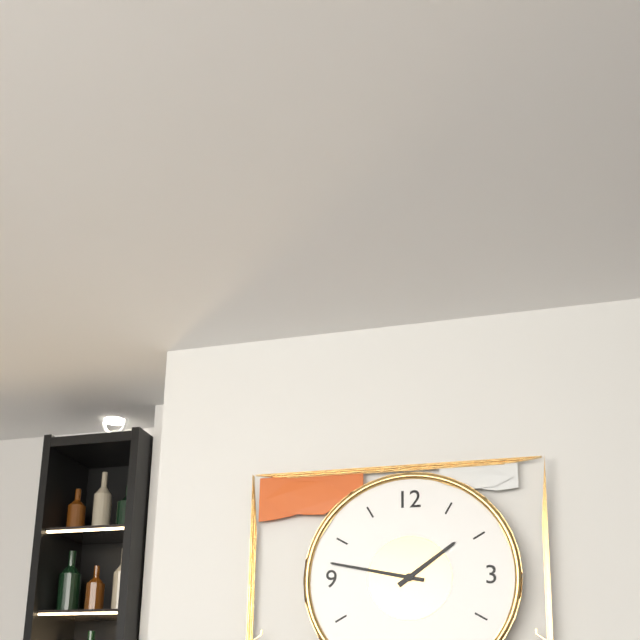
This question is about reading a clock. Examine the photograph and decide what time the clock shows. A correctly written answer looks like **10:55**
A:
**1:47**
